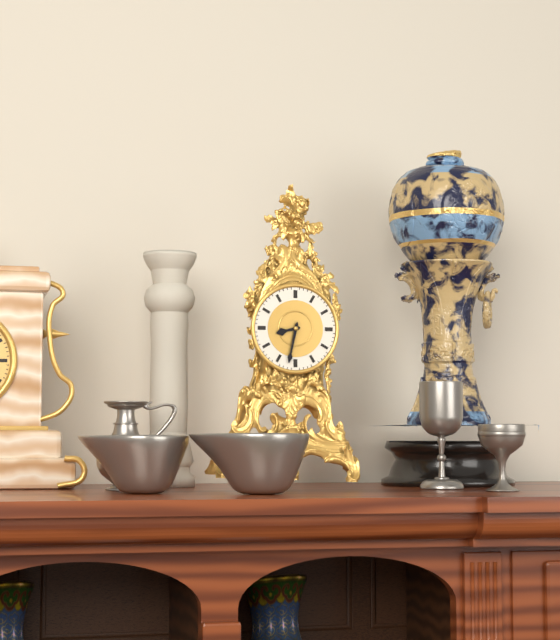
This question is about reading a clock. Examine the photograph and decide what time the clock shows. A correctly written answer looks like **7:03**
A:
**8:32**
